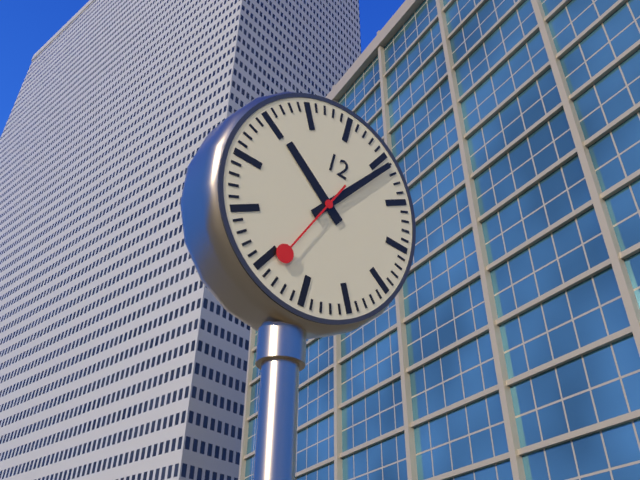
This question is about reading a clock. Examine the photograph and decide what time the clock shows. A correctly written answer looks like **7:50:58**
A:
**10:06:34**
